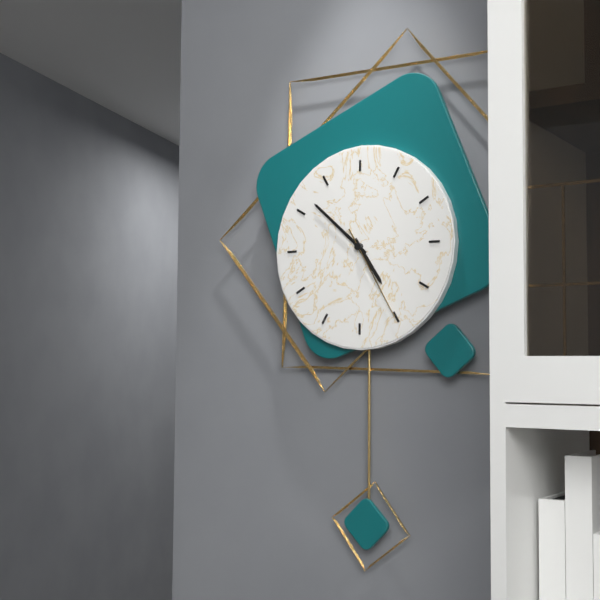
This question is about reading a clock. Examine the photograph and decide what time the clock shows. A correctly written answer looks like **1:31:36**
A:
**4:52:25**
